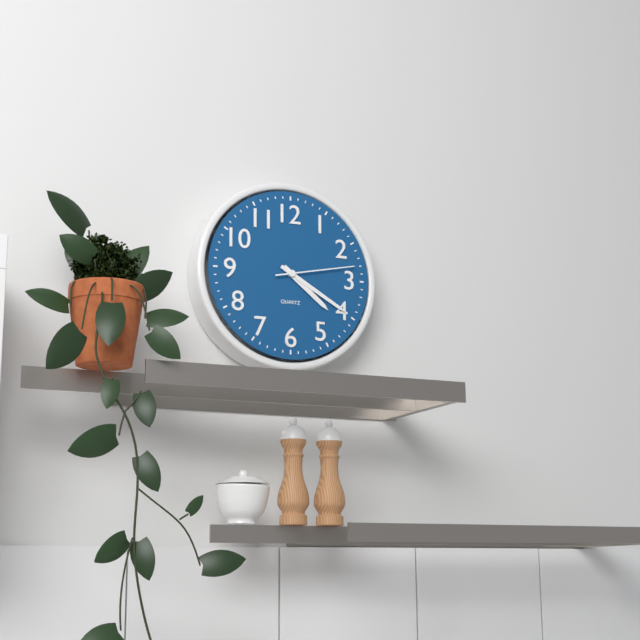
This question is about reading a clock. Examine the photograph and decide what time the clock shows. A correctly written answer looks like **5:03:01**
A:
**4:20:13**
